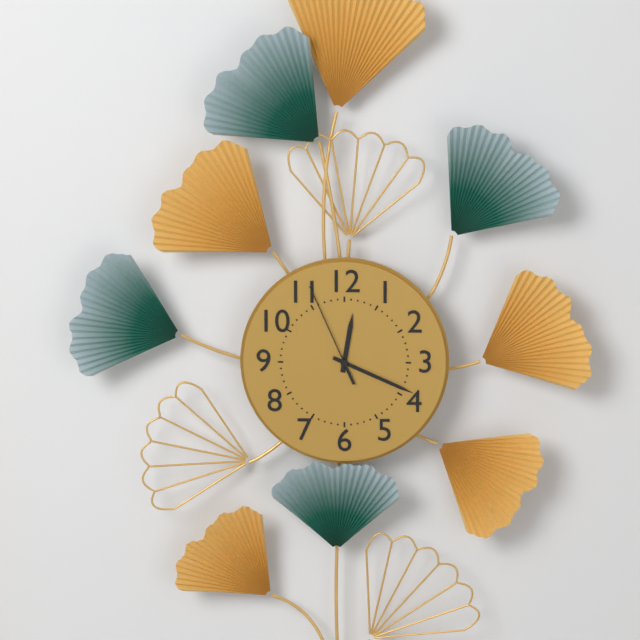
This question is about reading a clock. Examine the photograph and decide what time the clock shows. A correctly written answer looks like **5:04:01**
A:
**12:19:56**
